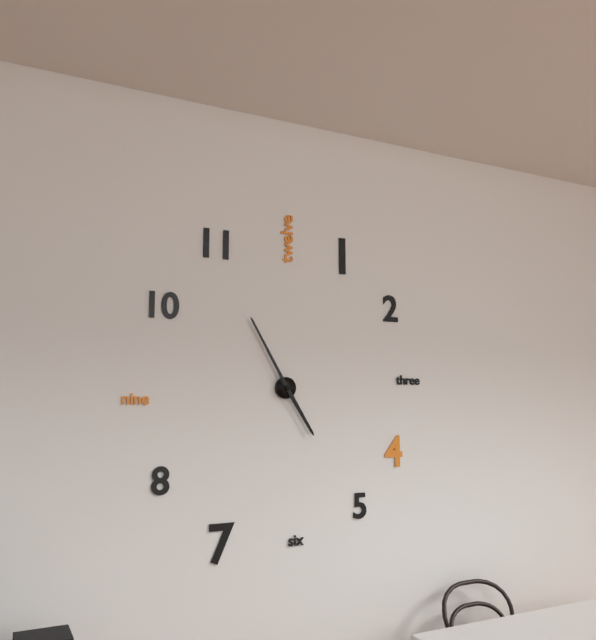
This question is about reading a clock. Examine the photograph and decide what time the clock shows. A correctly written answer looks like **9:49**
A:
**4:55**
